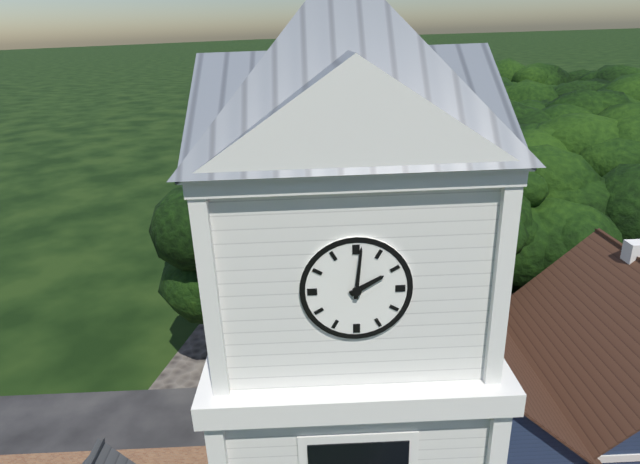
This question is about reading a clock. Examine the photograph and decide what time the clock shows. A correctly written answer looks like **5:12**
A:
**2:01**
